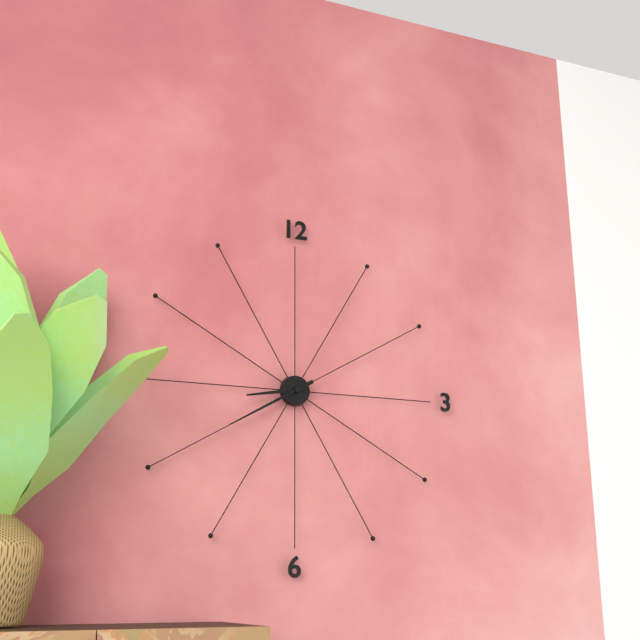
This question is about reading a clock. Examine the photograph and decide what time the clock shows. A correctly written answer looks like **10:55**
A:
**8:40**
